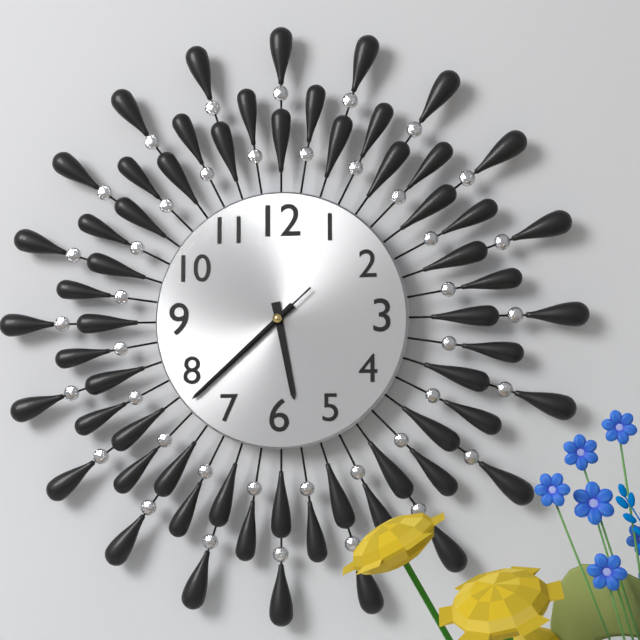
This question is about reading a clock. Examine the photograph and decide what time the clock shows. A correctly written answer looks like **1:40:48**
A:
**5:38:38**
